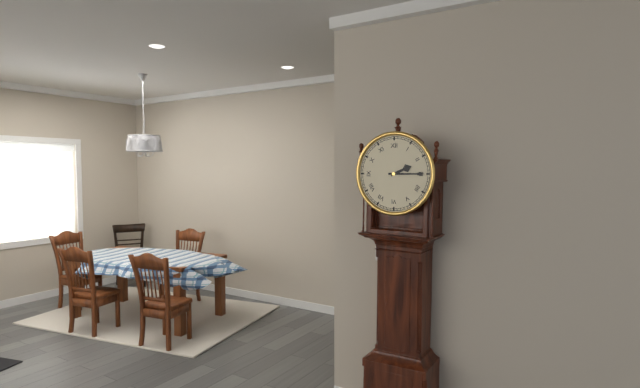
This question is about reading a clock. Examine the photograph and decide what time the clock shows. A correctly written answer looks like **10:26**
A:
**2:15**
